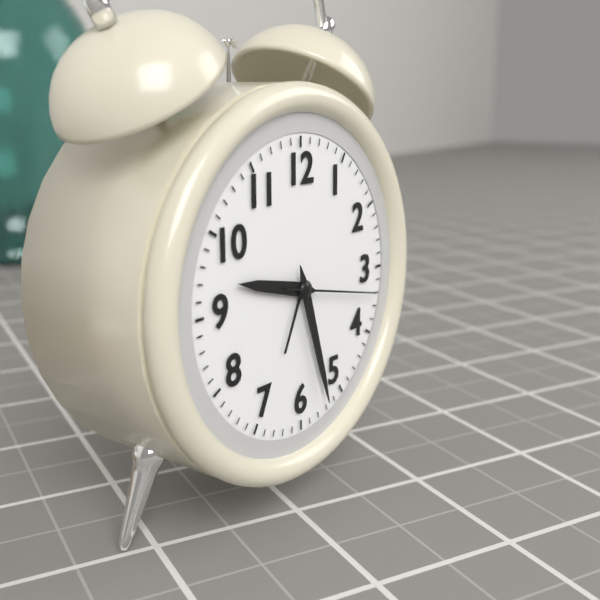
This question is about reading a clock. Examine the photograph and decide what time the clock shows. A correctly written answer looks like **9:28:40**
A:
**9:27:17**
